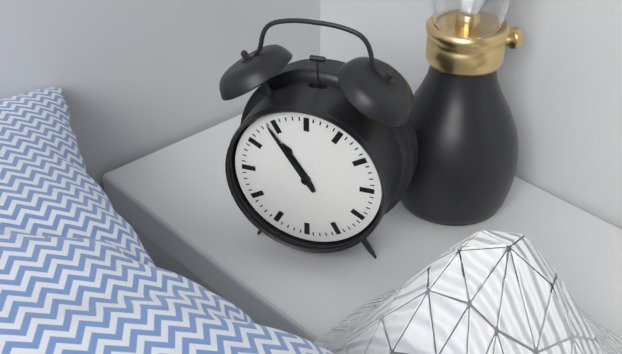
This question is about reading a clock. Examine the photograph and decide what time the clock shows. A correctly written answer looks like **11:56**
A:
**10:54**
